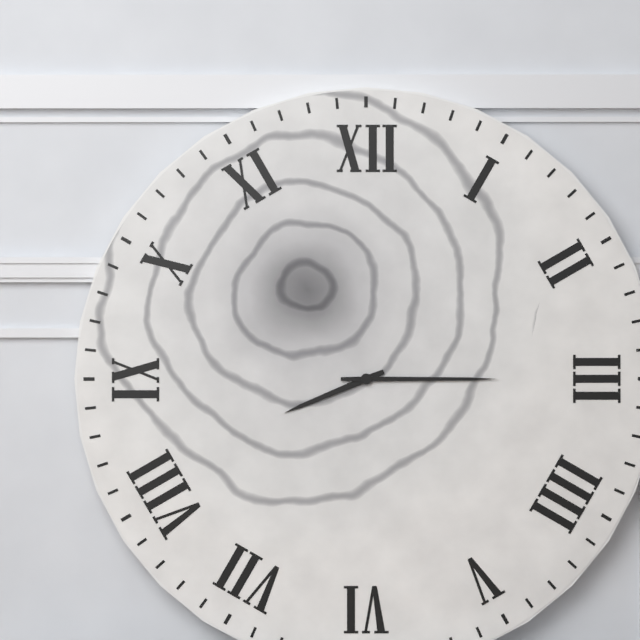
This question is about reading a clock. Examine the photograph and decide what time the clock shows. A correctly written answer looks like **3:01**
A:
**8:15**
